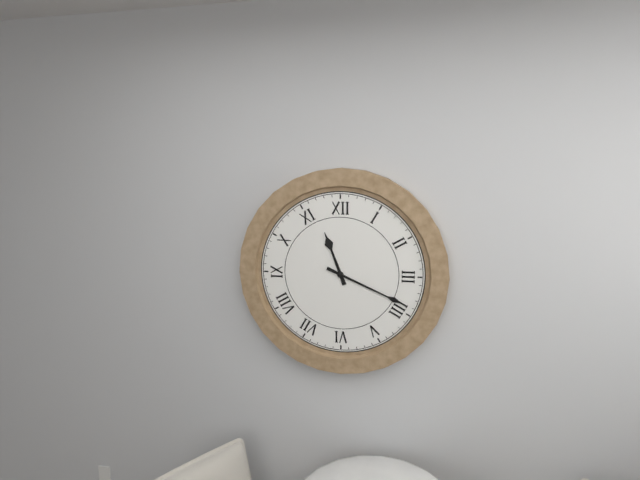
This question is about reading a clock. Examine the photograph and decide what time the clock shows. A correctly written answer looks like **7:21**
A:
**11:19**
